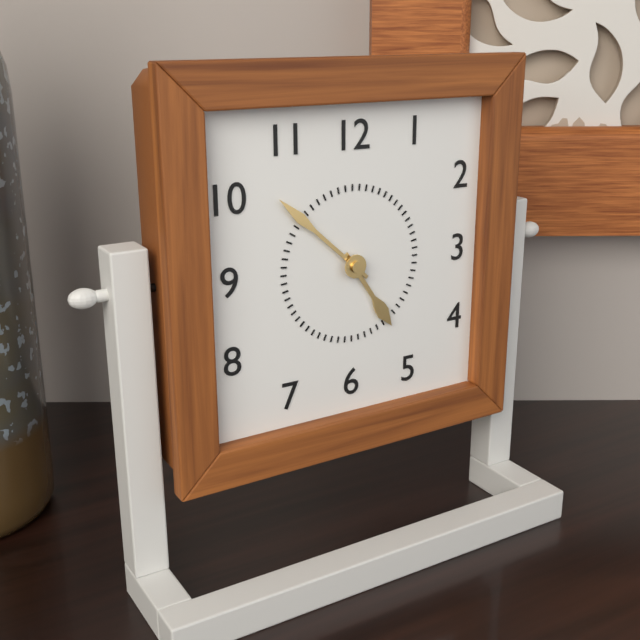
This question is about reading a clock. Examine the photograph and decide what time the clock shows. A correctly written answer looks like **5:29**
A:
**4:52**
